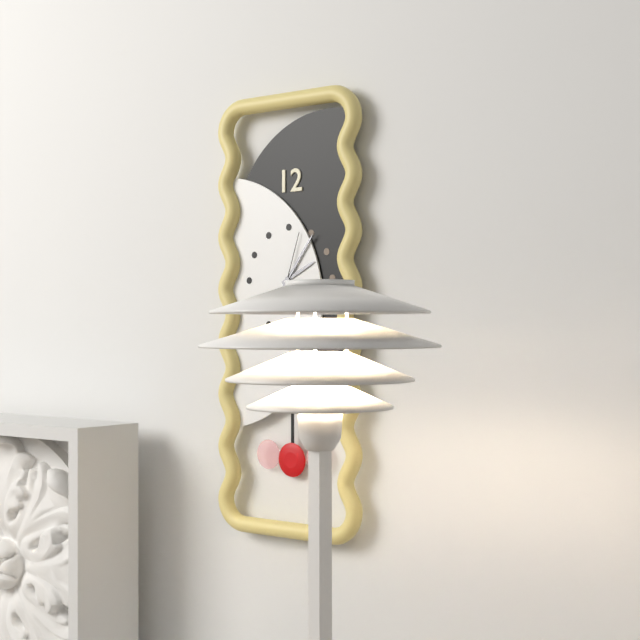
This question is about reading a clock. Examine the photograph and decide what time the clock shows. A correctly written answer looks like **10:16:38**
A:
**2:06:03**
